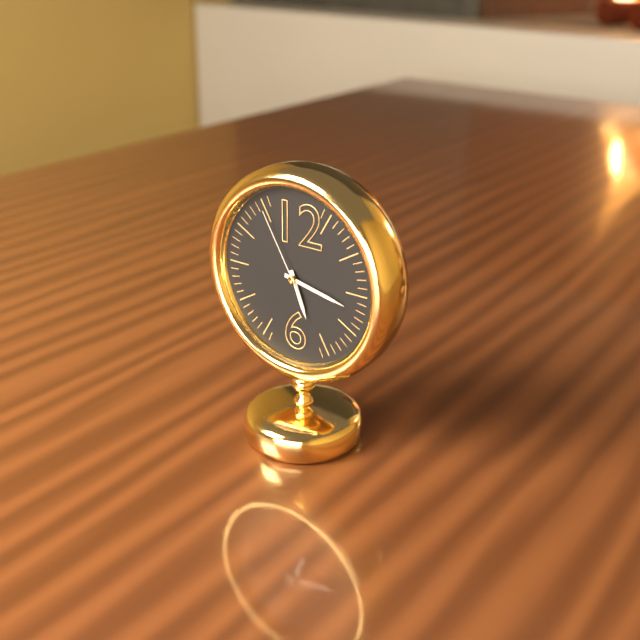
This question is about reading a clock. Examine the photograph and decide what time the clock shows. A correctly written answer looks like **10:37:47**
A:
**5:17:55**
